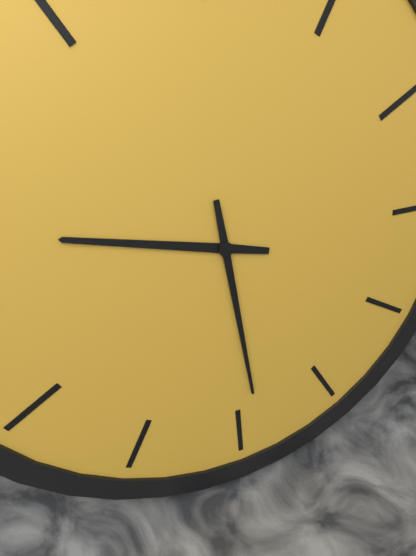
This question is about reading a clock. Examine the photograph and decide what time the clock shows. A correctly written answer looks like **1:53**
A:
**9:29**
